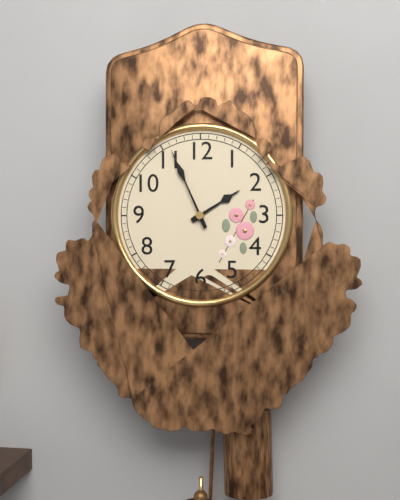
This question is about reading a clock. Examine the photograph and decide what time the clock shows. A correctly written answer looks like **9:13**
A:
**1:56**
